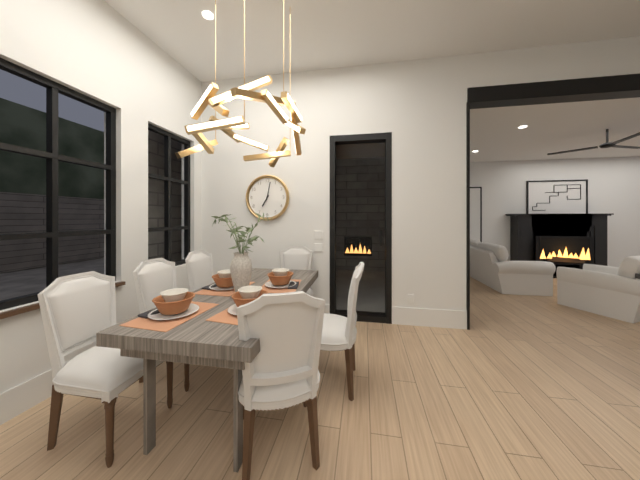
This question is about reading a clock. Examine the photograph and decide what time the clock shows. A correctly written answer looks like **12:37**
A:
**7:02**
